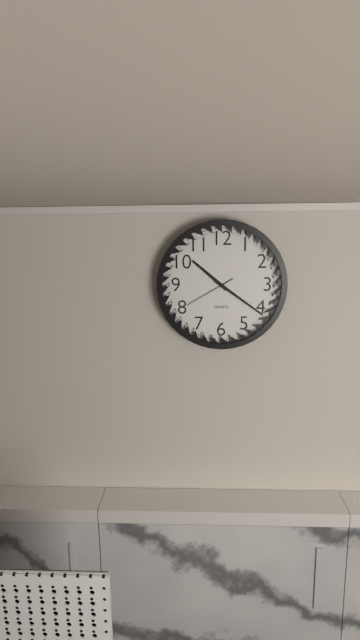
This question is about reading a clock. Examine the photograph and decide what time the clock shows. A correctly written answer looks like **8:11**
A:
**10:21**
